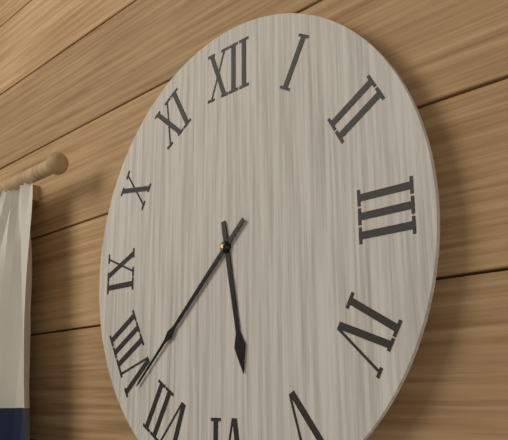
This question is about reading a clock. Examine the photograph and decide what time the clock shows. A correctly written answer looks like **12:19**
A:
**5:38**
